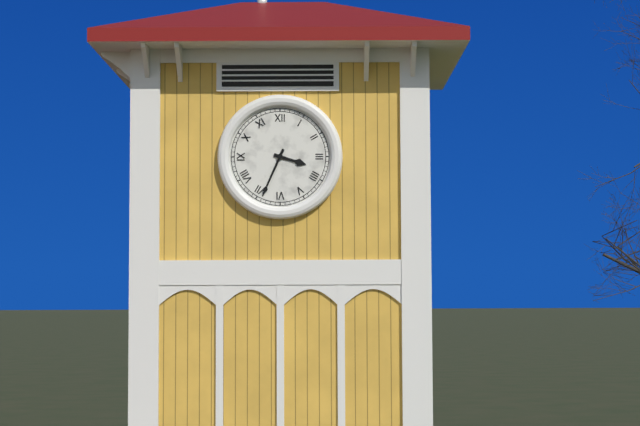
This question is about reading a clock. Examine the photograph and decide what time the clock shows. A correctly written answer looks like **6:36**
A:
**3:34**
